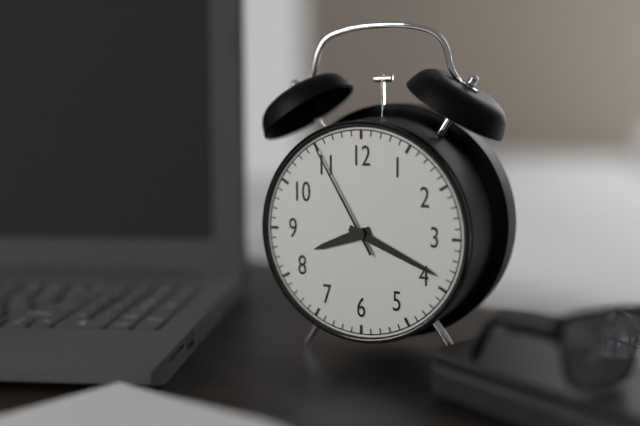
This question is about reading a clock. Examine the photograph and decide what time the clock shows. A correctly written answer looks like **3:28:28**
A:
**8:19:55**
